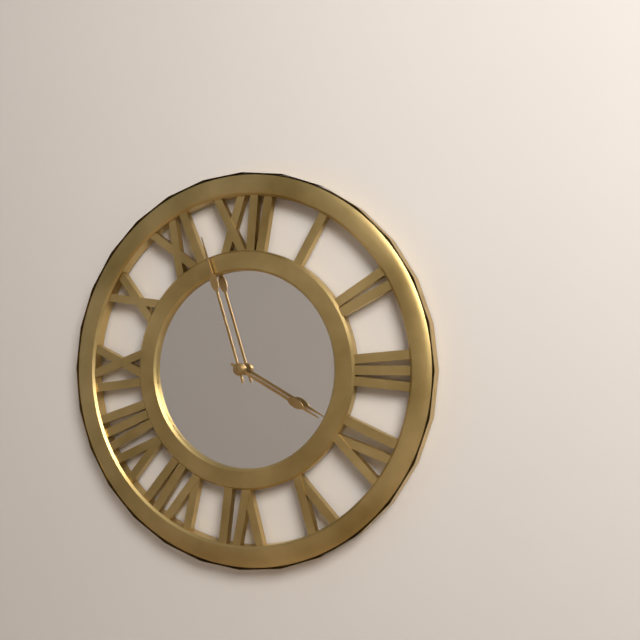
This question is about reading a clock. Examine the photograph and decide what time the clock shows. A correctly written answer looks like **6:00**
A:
**3:57**
